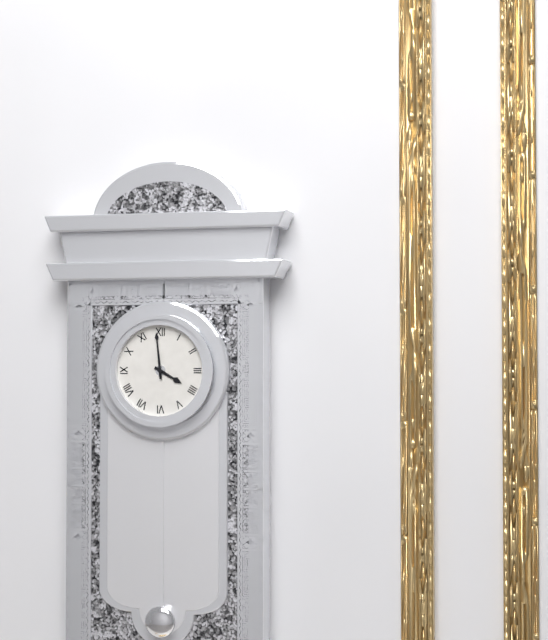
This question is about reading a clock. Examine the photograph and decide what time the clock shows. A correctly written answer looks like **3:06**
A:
**3:59**
